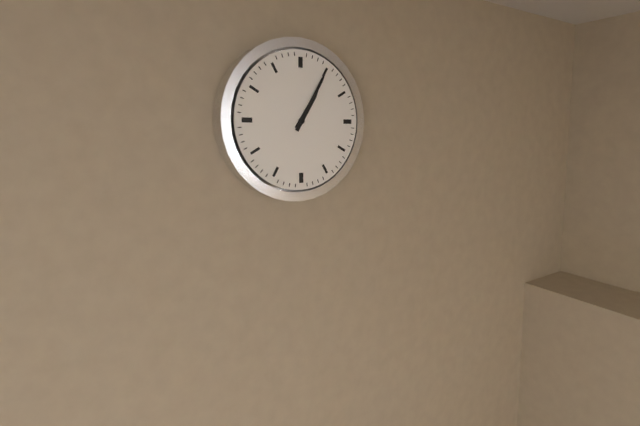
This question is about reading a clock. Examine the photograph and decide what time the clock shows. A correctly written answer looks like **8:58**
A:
**1:05**
